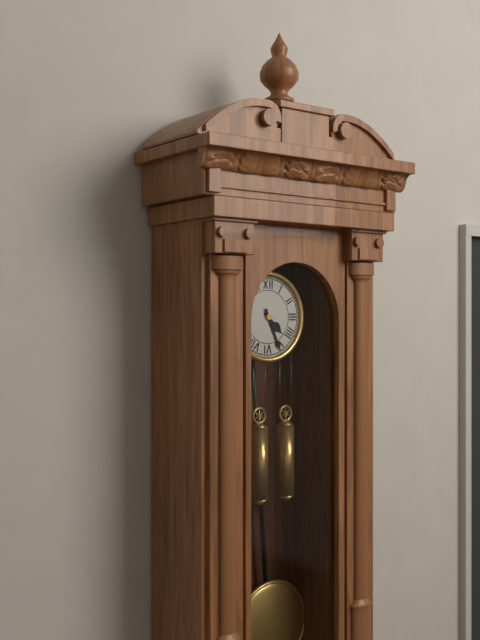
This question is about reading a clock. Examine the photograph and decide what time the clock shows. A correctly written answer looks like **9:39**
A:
**4:26**
